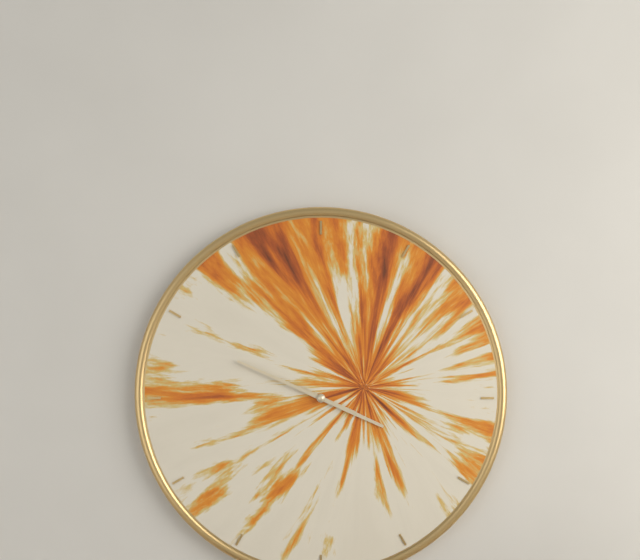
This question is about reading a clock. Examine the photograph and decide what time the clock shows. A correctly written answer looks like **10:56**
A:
**3:49**
